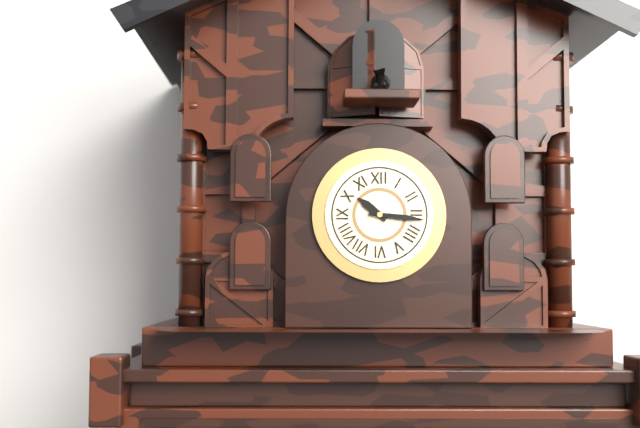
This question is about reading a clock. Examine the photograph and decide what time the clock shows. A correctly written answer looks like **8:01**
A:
**10:16**
